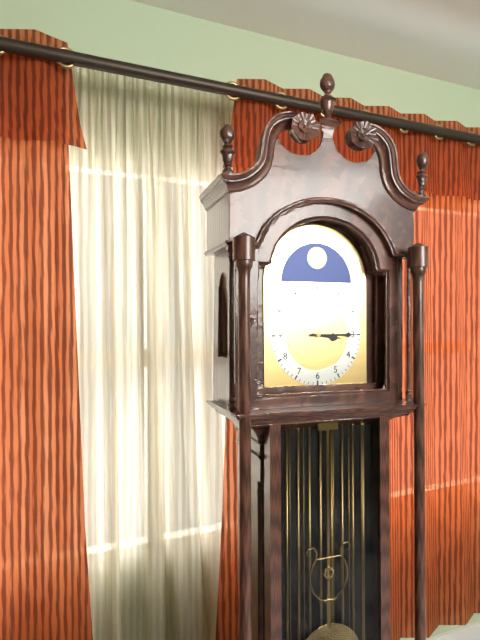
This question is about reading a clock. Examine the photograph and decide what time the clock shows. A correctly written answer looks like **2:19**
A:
**3:15**
